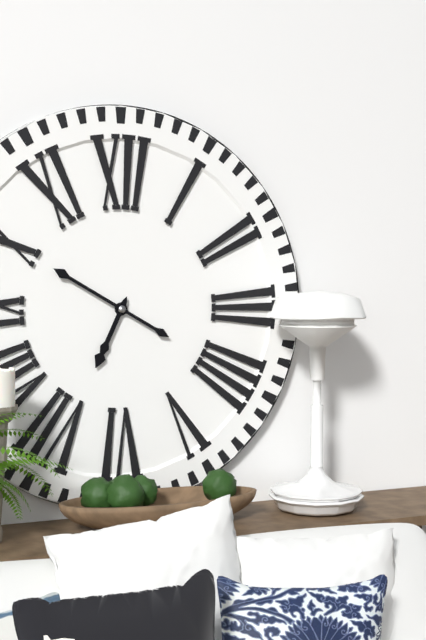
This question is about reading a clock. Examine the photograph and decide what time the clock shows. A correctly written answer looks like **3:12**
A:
**6:50**
